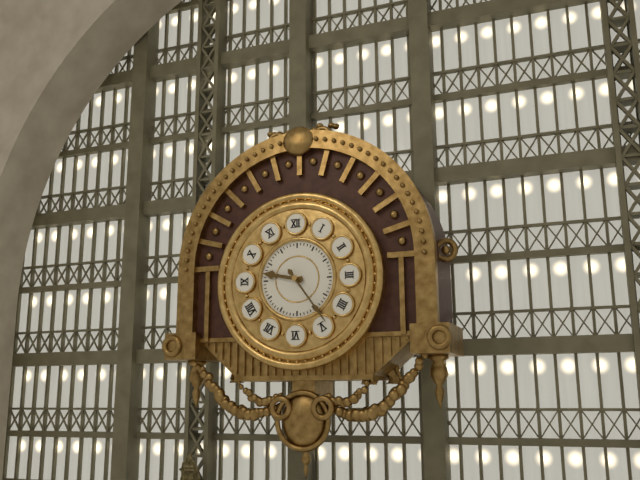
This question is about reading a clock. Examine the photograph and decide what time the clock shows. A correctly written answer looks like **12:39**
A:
**9:24**
